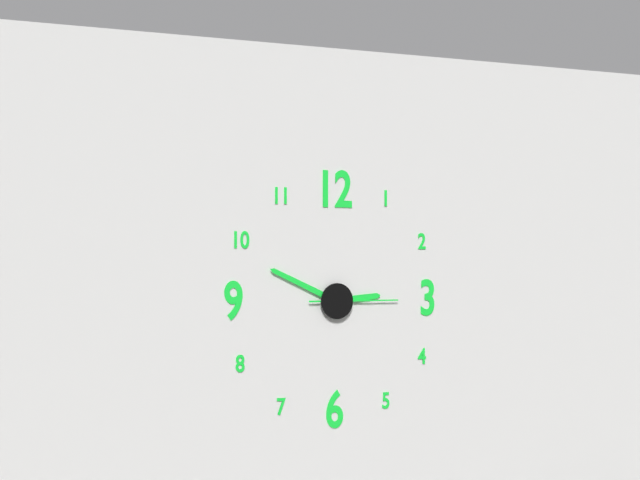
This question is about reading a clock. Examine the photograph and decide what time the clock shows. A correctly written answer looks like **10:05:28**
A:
**2:49:15**
